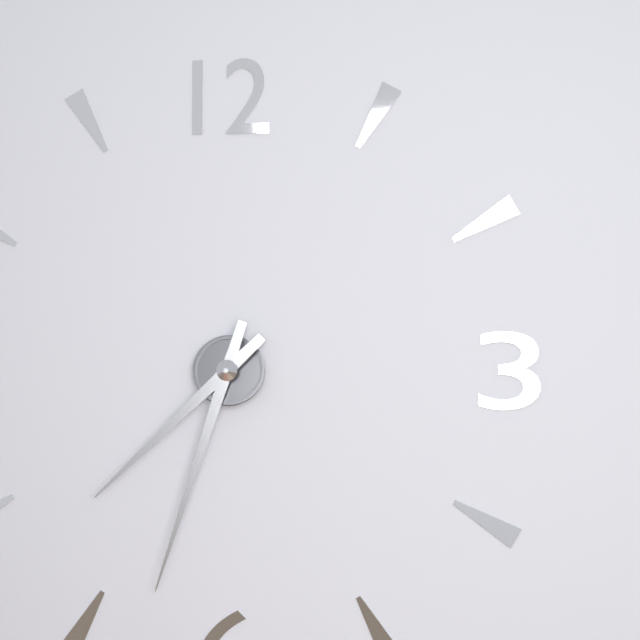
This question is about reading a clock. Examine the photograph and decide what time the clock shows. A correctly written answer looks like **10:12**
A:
**7:33**
